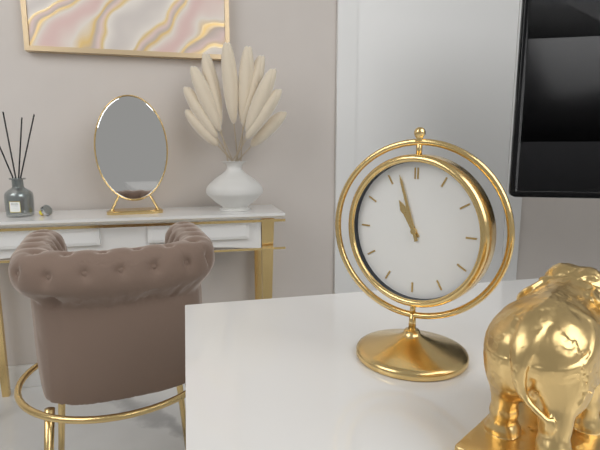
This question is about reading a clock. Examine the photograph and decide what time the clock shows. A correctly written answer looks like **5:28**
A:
**10:57**
